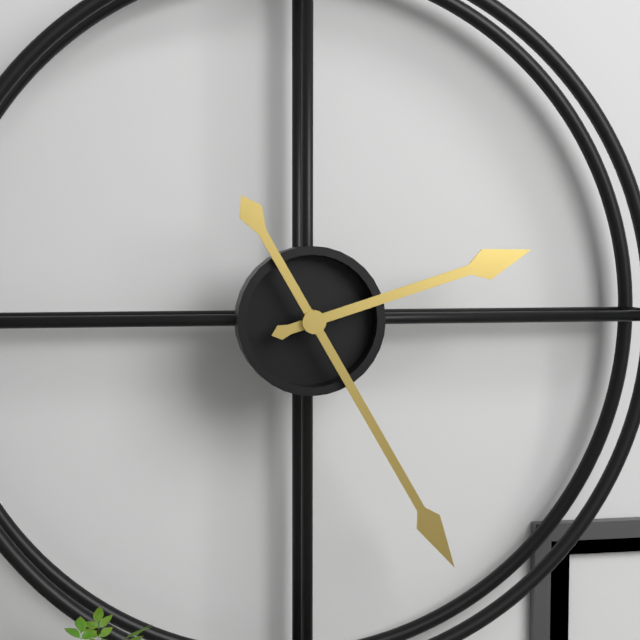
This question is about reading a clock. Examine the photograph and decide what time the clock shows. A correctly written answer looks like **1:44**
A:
**2:25**
